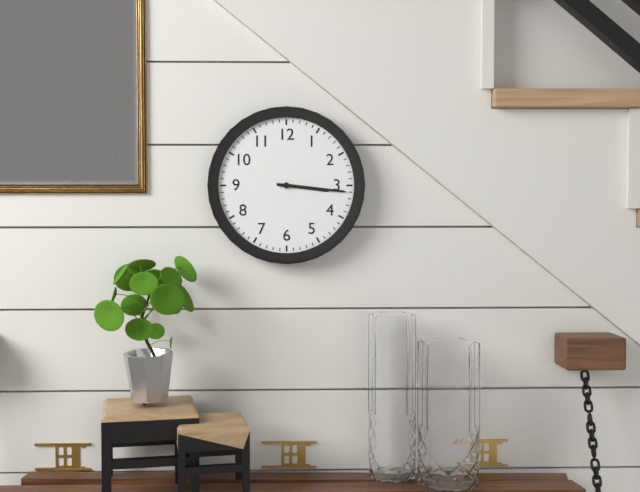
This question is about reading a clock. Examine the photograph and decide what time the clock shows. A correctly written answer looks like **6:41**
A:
**3:16**
